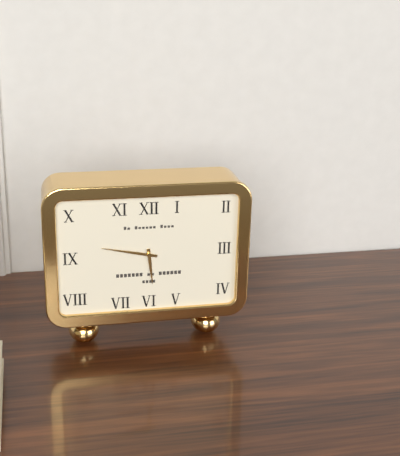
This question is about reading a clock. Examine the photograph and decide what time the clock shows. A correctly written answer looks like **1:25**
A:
**5:47**
